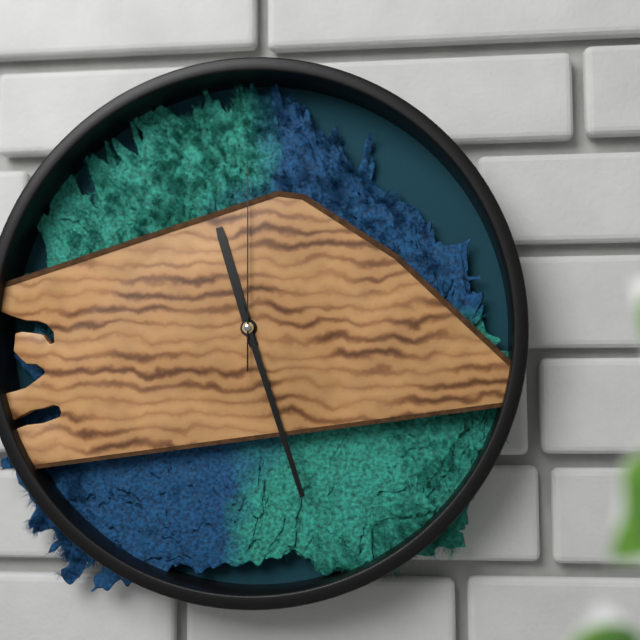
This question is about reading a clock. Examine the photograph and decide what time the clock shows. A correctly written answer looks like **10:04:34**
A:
**11:27:00**
